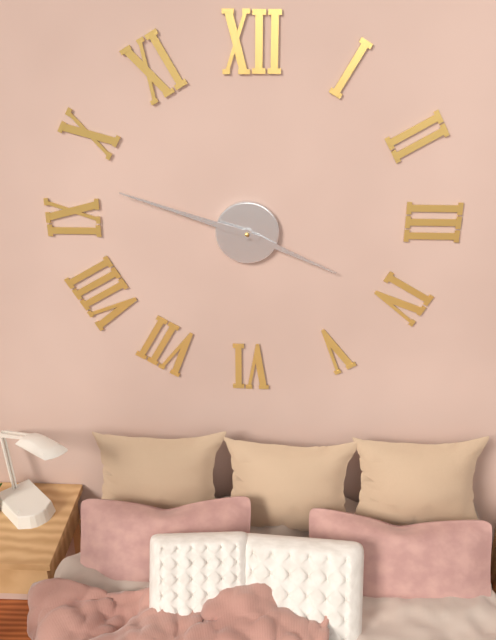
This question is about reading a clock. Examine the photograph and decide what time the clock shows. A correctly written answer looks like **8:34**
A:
**3:48**
